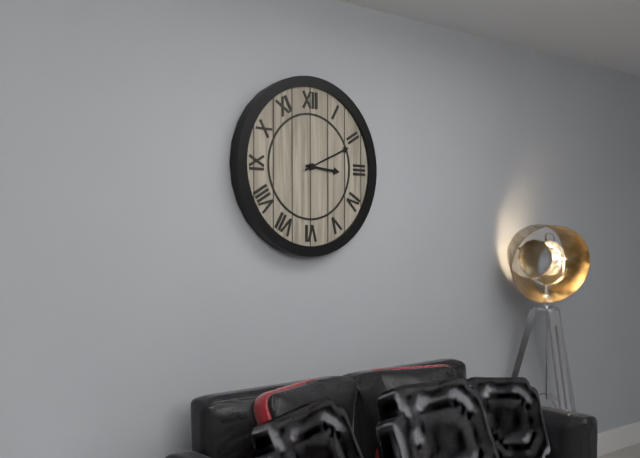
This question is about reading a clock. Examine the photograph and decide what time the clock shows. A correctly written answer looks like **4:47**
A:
**3:11**
